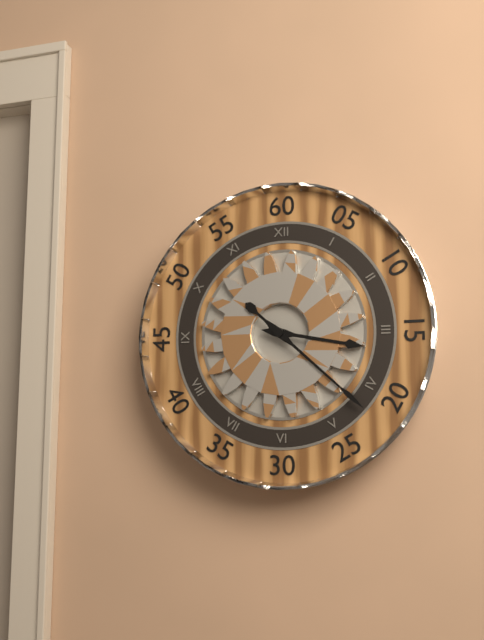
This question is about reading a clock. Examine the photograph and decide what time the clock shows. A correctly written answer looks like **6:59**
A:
**3:22**
